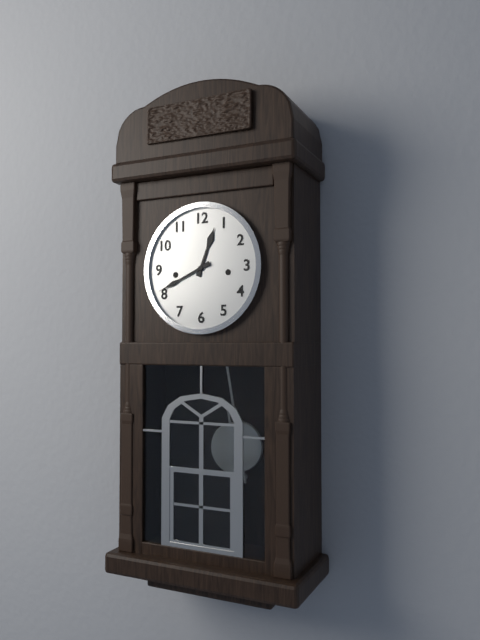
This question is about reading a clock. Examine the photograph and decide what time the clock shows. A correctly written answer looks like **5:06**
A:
**12:41**
